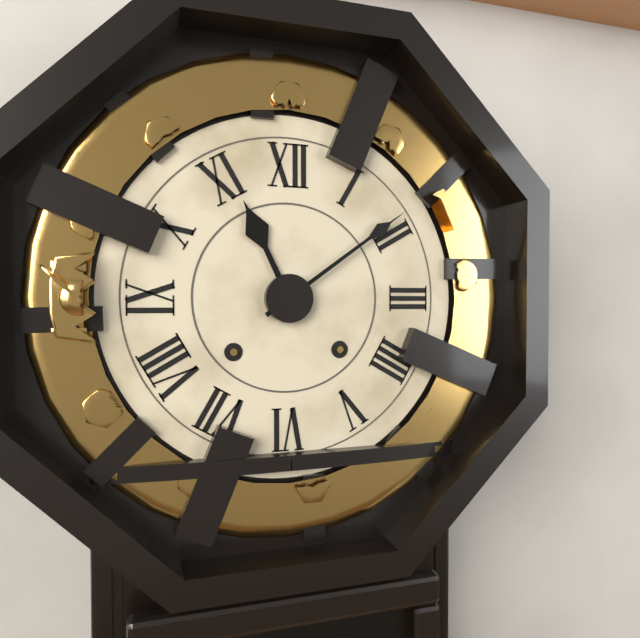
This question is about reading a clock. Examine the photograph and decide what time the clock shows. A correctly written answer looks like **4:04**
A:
**11:09**
